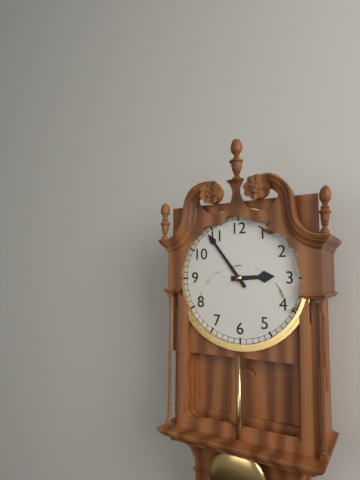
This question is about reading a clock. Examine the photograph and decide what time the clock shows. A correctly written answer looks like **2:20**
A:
**2:54**
